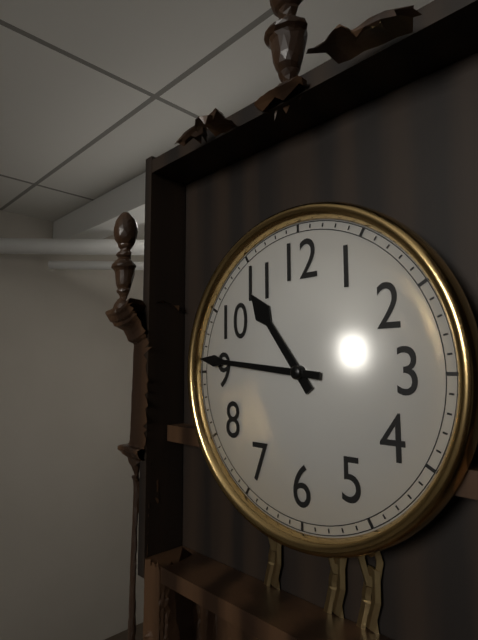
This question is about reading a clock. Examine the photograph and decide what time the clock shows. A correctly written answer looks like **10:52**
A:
**10:46**
